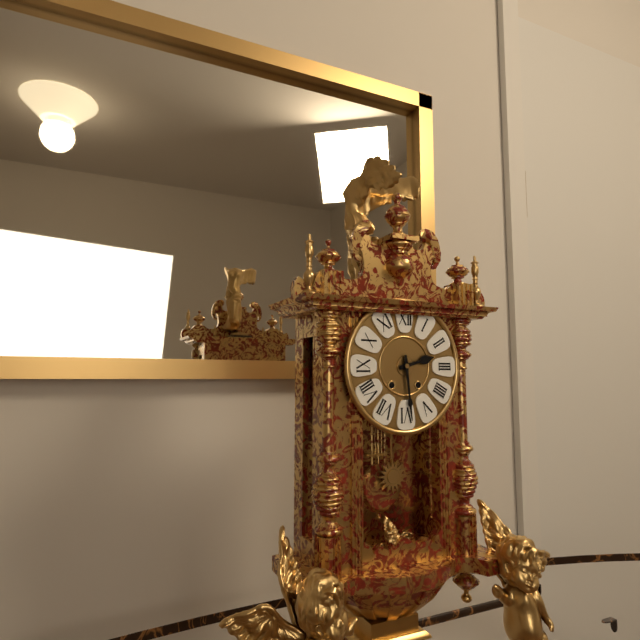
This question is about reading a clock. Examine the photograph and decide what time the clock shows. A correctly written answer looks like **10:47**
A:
**2:29**
